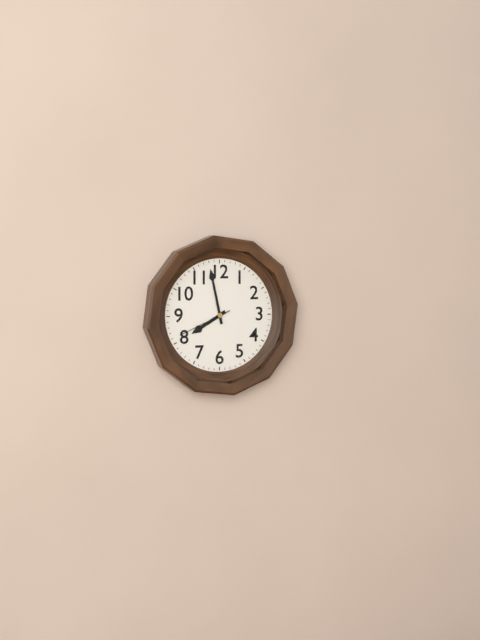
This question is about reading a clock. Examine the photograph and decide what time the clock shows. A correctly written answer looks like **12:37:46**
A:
**7:58:41**
